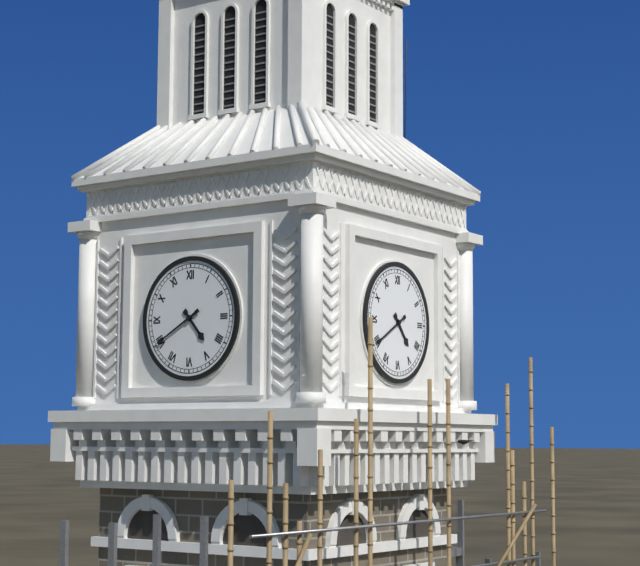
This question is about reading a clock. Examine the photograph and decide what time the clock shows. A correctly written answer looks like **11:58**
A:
**4:40**
